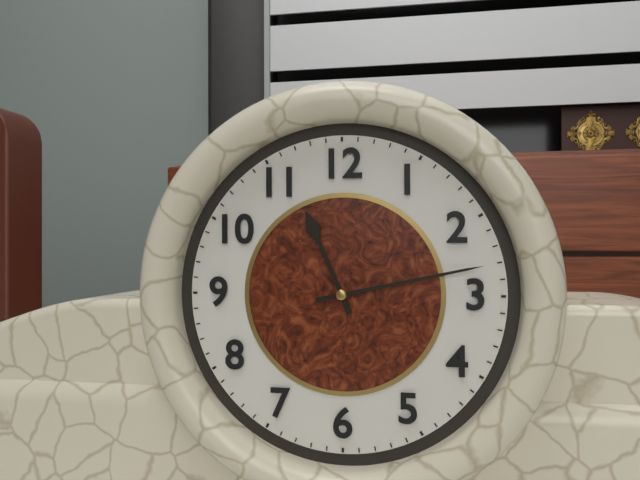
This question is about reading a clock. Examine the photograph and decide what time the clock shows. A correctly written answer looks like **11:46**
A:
**11:13**
